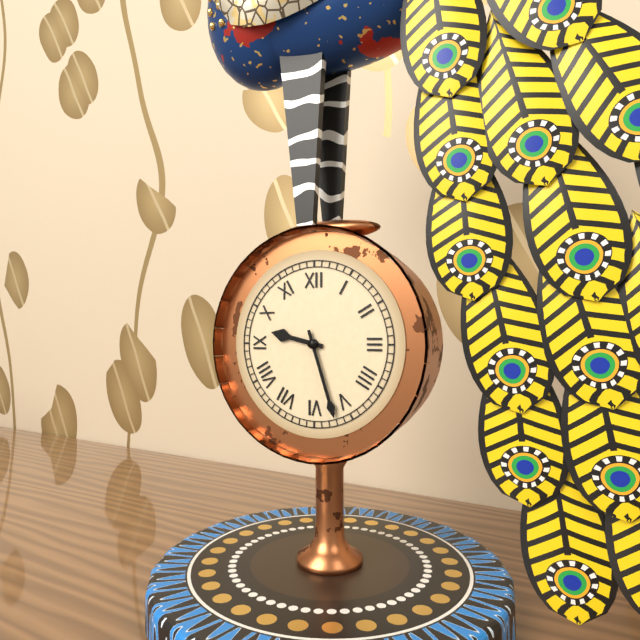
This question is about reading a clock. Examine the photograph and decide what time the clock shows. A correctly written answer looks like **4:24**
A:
**9:27**
